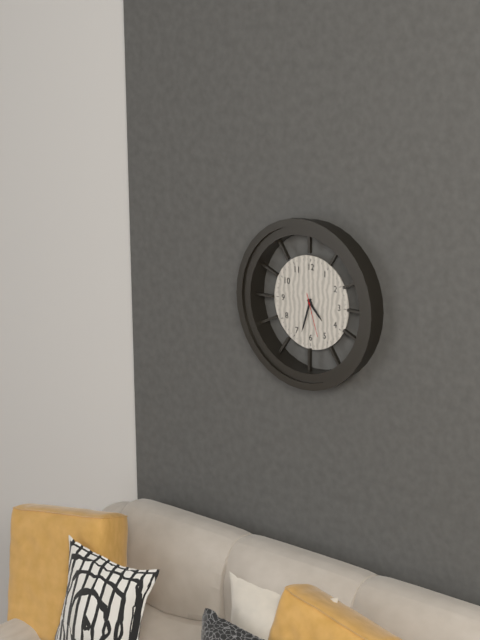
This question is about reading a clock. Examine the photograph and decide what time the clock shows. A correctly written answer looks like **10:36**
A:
**4:33**
